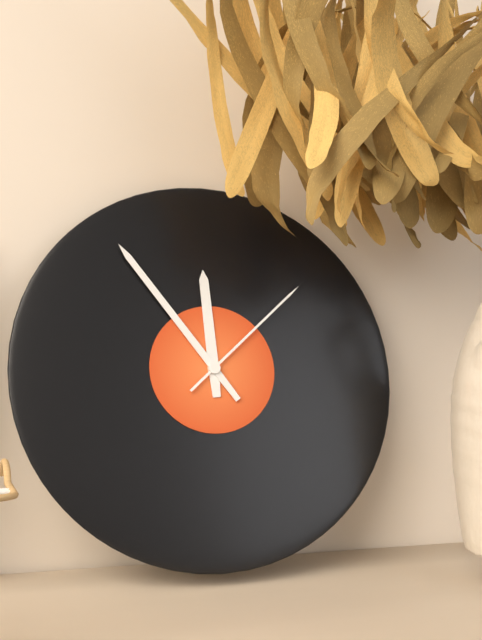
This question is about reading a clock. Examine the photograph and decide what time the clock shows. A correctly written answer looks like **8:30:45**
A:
**11:54:08**
